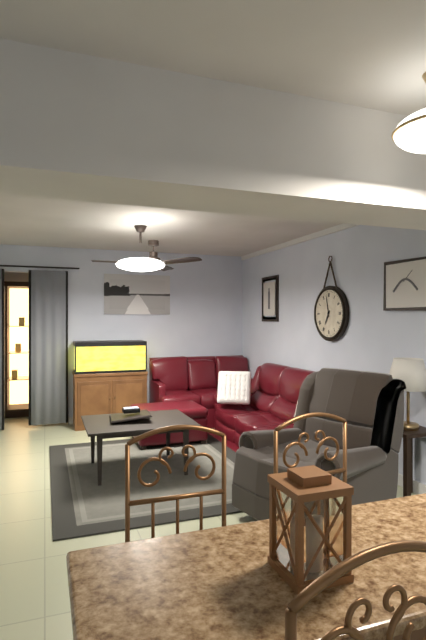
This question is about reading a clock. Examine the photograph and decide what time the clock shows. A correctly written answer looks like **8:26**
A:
**6:58**
